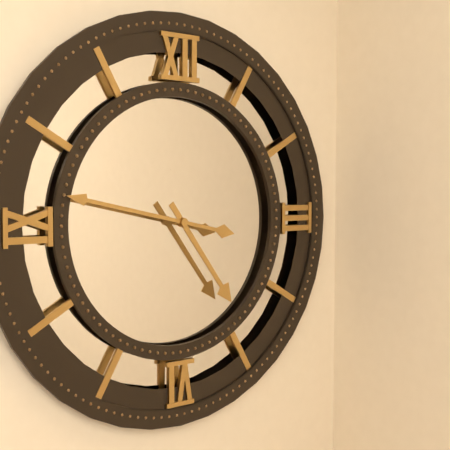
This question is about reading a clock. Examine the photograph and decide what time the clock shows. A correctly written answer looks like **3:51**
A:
**4:47**
